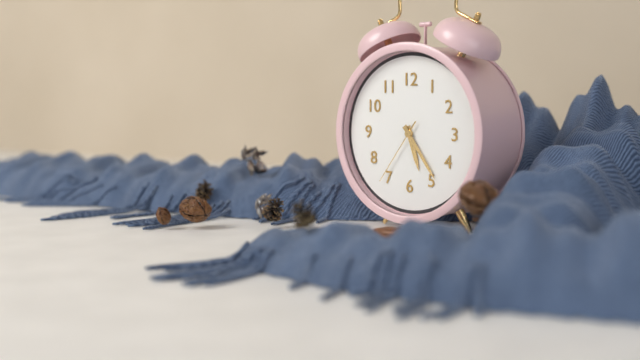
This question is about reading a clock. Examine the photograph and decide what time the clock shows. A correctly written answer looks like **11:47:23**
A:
**5:24:36**
